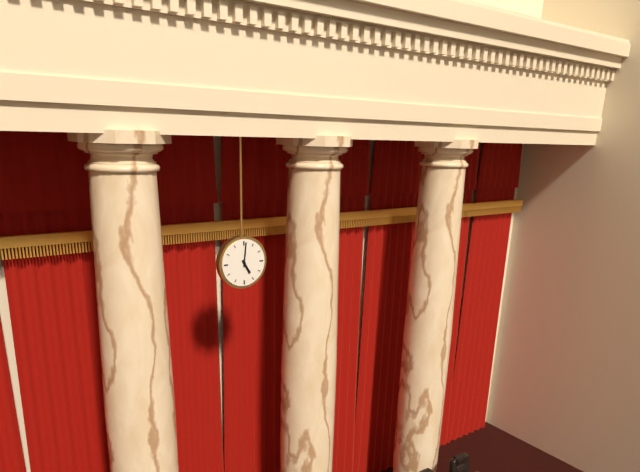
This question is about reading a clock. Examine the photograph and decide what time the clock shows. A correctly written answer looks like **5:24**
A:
**5:01**
